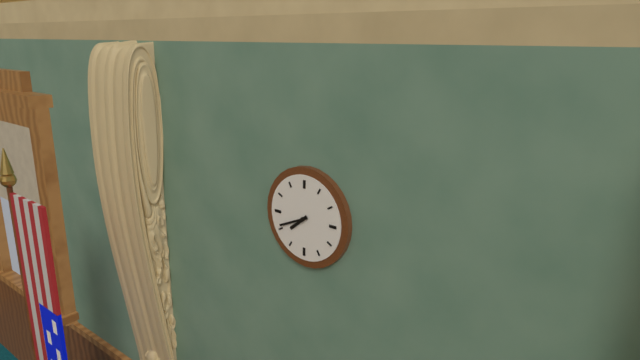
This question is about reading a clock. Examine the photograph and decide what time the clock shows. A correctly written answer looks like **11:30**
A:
**7:41**
